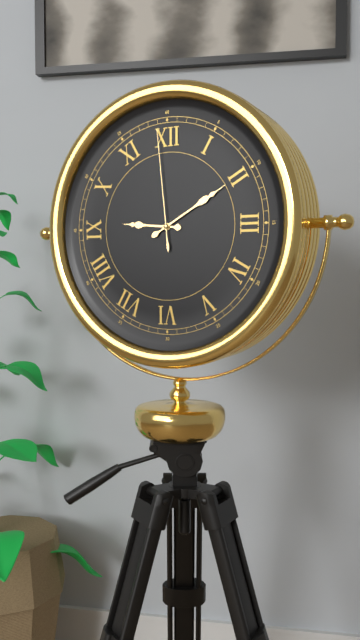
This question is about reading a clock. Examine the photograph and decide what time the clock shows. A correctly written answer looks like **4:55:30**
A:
**9:10:59**
